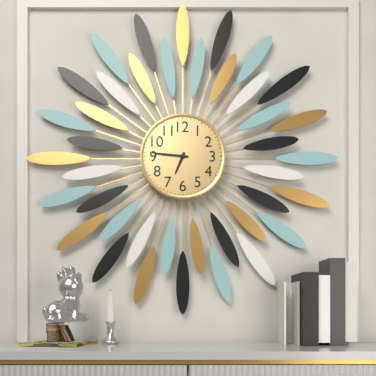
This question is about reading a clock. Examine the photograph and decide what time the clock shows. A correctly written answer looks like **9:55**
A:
**6:46**
